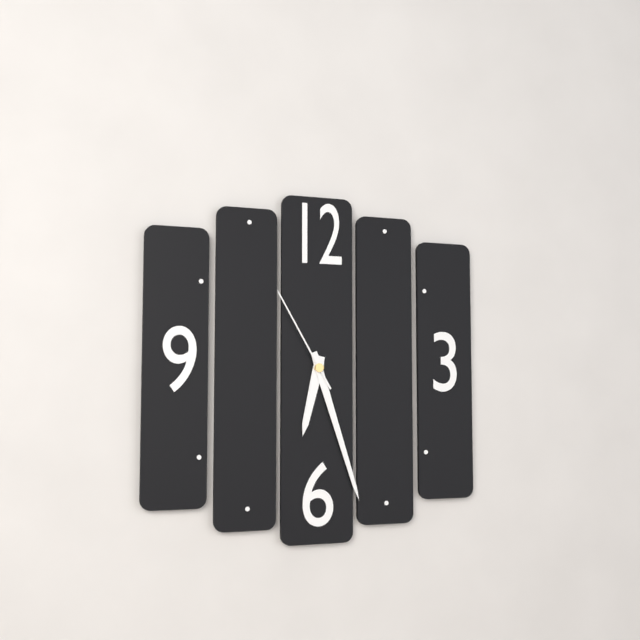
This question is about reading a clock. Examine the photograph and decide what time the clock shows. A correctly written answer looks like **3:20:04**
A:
**6:27:55**
